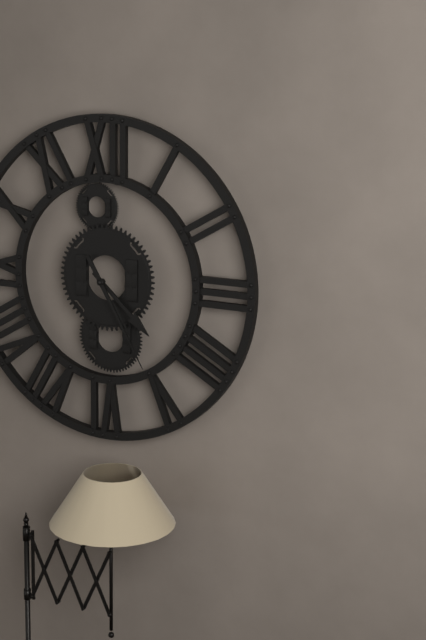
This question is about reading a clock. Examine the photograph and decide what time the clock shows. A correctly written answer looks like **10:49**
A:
**4:25**
